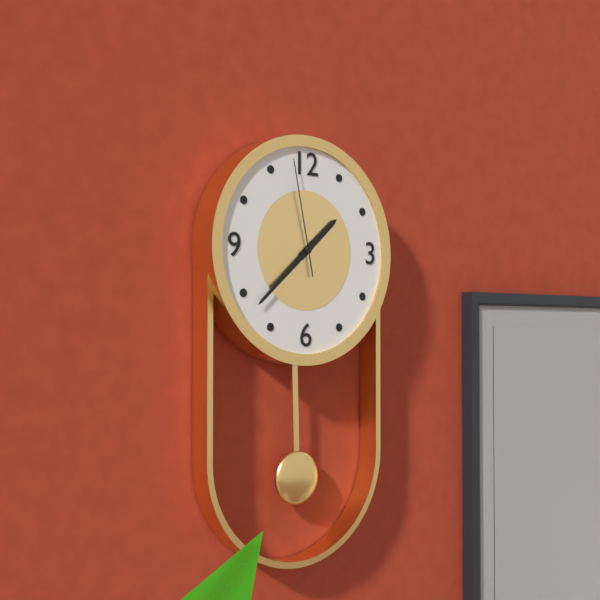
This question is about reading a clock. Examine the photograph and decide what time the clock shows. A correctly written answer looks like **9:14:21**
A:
**1:38:58**
